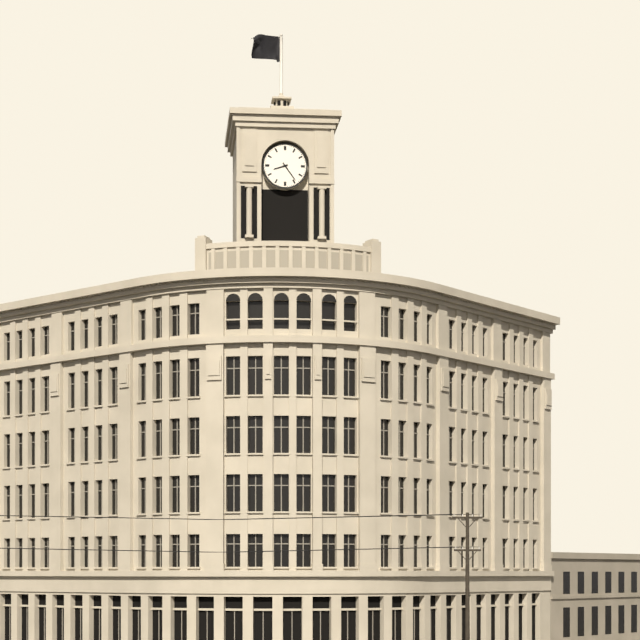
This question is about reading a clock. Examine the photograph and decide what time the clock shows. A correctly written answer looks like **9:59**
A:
**8:24**
